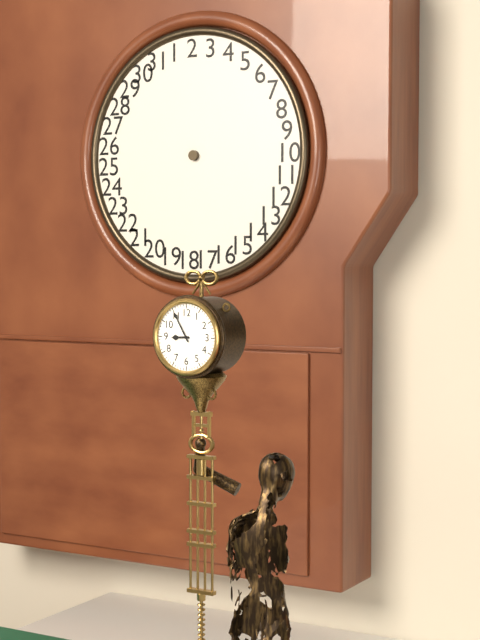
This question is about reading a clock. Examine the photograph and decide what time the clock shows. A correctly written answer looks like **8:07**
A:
**8:55**
